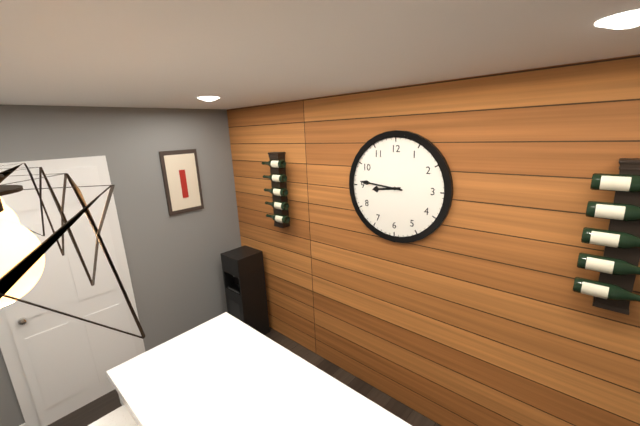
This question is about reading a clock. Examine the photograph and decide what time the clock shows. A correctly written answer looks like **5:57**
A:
**8:46**
